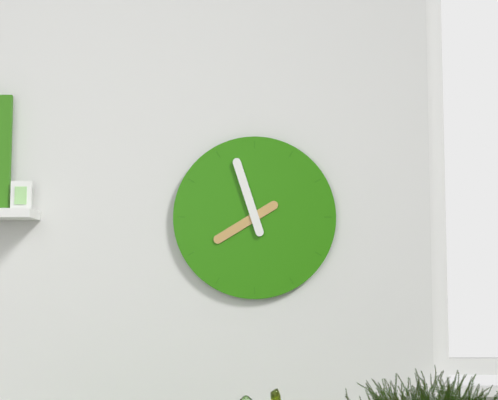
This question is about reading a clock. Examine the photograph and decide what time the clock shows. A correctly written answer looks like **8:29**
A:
**7:57**
